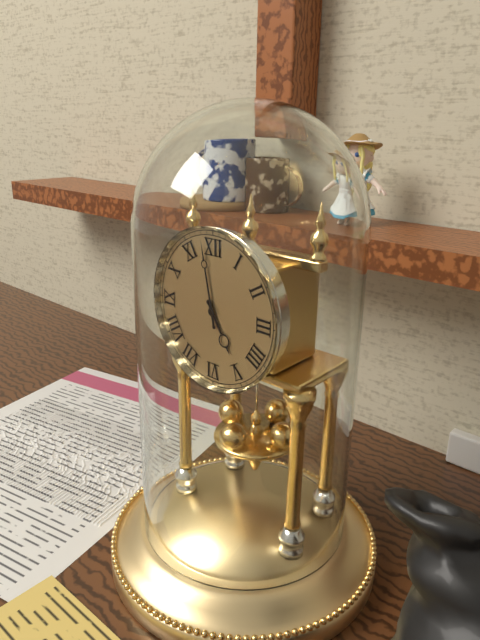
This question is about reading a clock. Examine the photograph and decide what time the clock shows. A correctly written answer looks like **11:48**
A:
**4:58**
